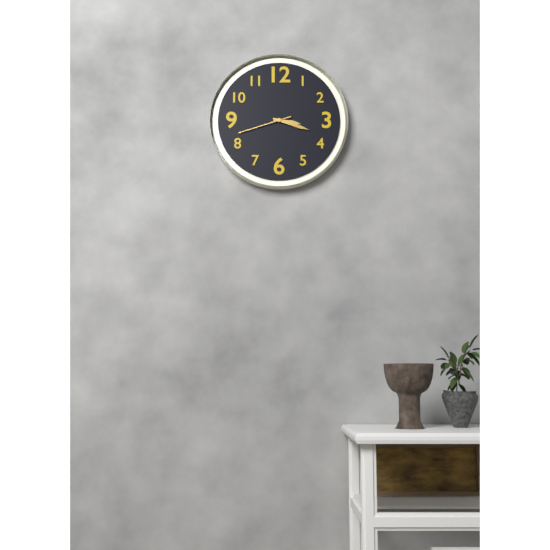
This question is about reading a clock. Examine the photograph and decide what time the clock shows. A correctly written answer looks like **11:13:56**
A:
**3:18:42**
